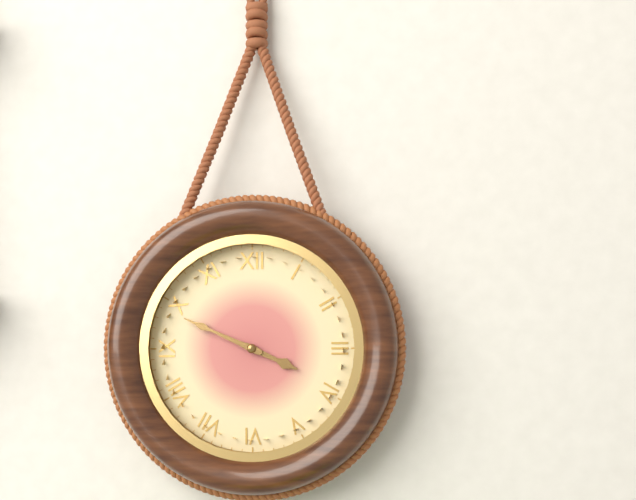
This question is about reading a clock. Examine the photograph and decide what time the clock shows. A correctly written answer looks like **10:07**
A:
**3:49**
